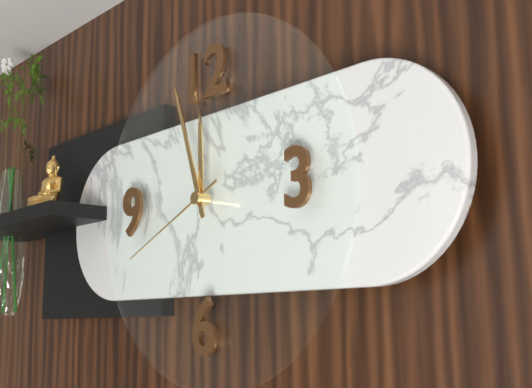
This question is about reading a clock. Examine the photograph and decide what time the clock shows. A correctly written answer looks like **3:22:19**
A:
**11:57:41**
